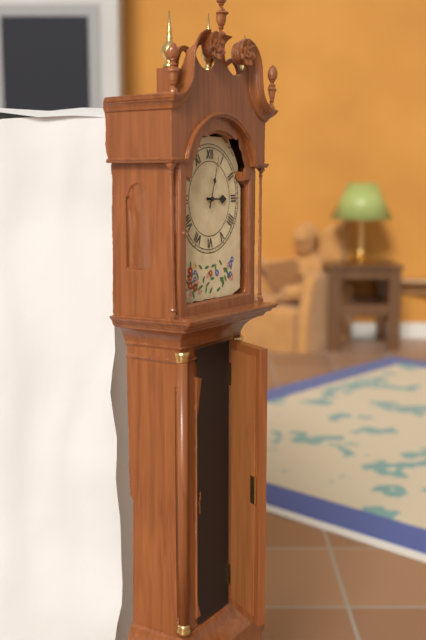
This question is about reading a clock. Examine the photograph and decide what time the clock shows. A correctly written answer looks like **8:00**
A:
**3:03**
